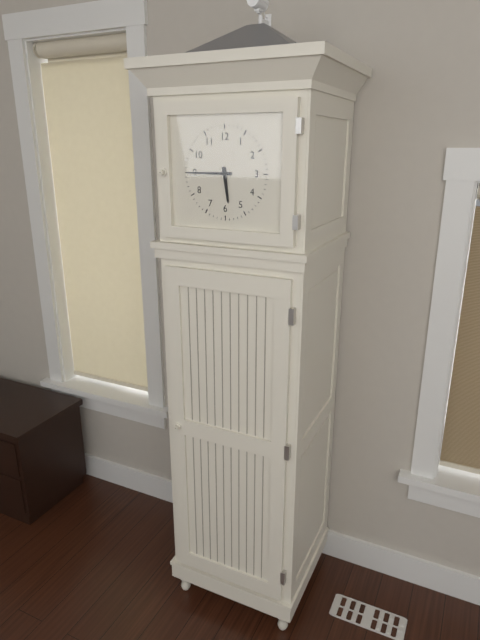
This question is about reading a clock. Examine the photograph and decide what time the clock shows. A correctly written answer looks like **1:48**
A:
**5:45**
